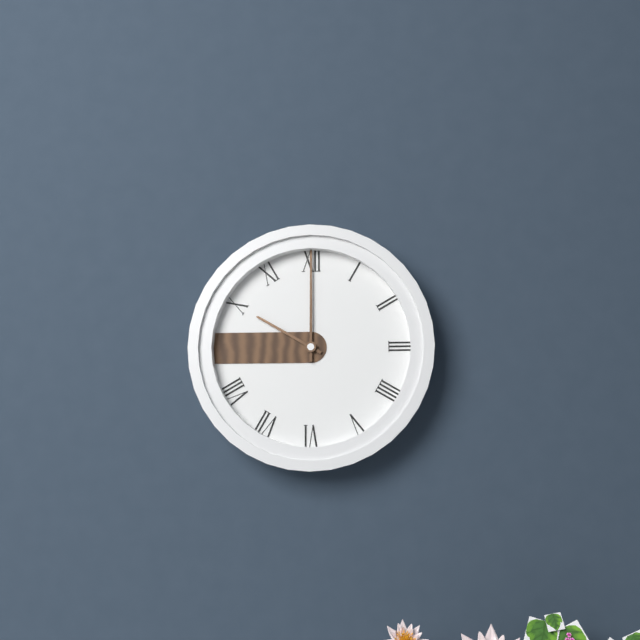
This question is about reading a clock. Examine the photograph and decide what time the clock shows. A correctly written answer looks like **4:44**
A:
**10:00**
